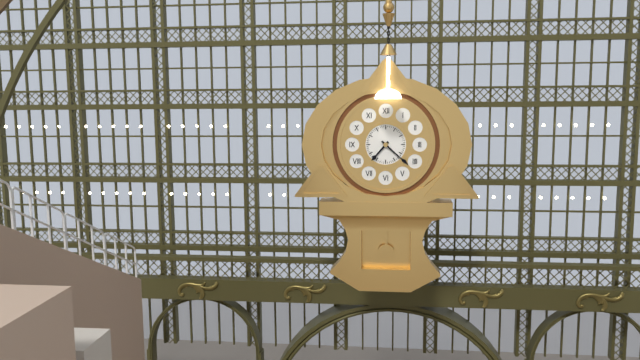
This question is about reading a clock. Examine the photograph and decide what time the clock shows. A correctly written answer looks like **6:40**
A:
**7:22**
